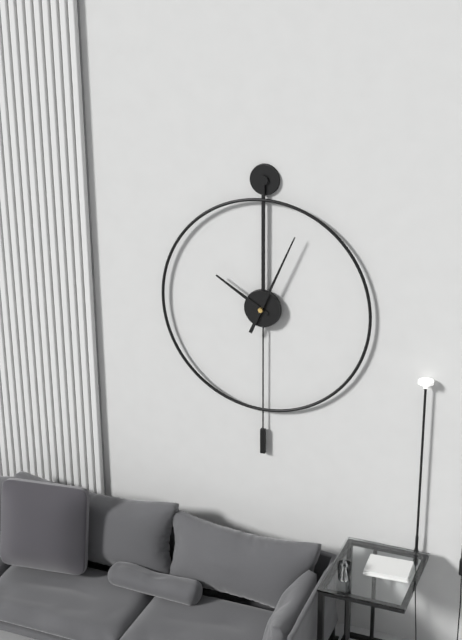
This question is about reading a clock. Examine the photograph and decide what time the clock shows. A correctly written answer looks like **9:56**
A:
**10:04**
